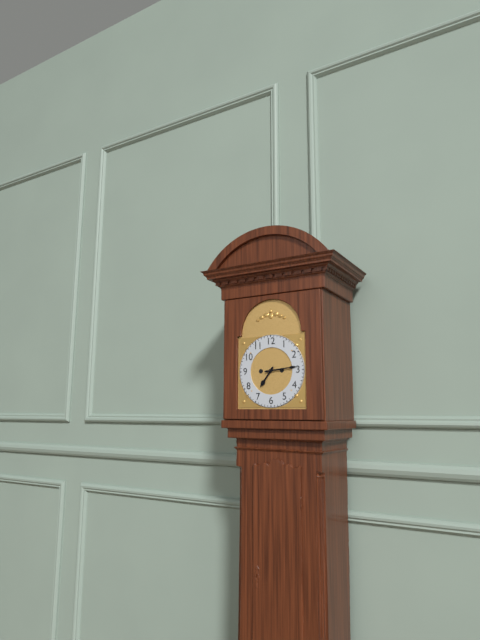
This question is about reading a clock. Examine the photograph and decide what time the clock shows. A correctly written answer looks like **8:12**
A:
**7:14**
